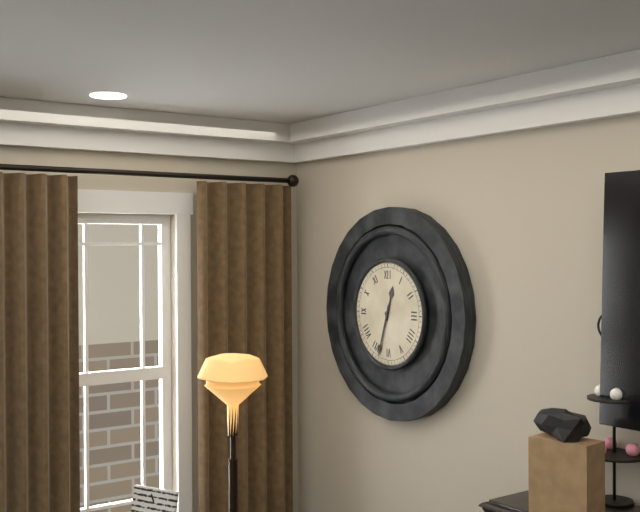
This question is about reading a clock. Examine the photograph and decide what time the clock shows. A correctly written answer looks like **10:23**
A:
**12:33**
